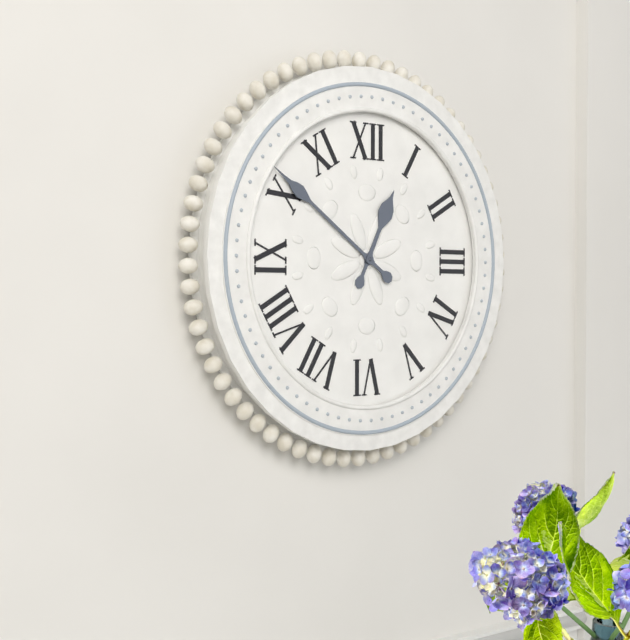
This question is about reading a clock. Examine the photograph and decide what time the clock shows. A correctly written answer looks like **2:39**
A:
**12:51**
